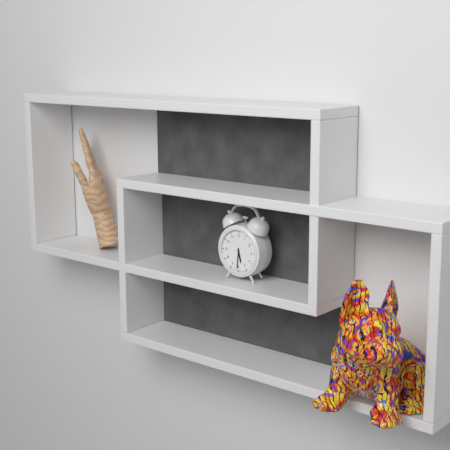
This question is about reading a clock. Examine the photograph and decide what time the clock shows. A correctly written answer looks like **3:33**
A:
**5:31**
